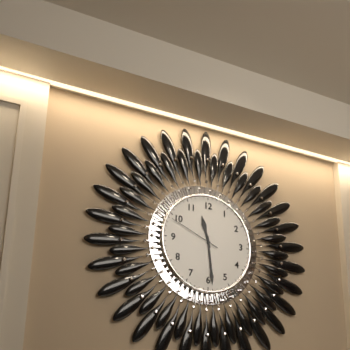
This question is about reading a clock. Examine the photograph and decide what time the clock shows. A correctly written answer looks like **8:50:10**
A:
**11:29:49**
